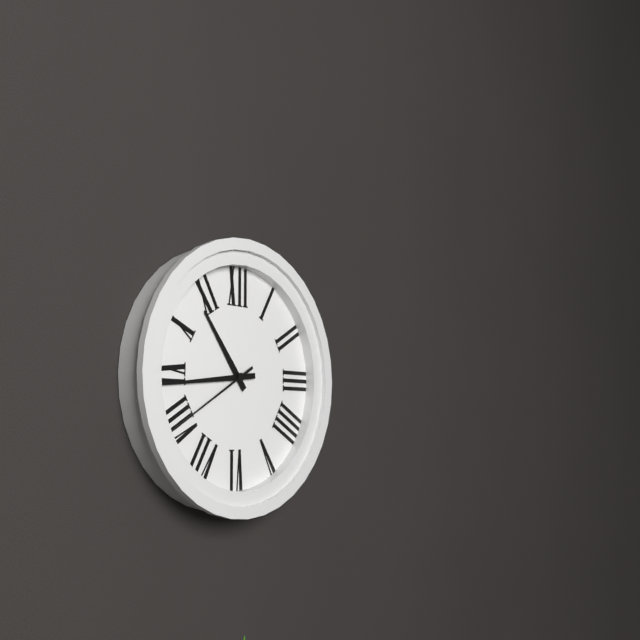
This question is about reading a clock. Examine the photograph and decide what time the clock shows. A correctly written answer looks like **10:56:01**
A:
**10:44:40**
